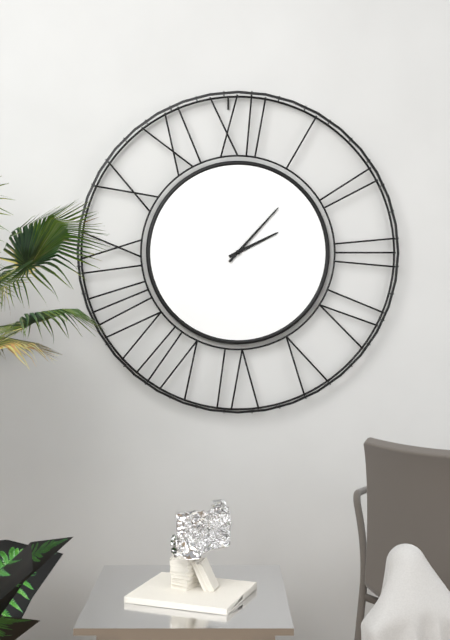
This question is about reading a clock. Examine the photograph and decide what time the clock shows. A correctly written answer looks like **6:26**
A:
**2:07**
